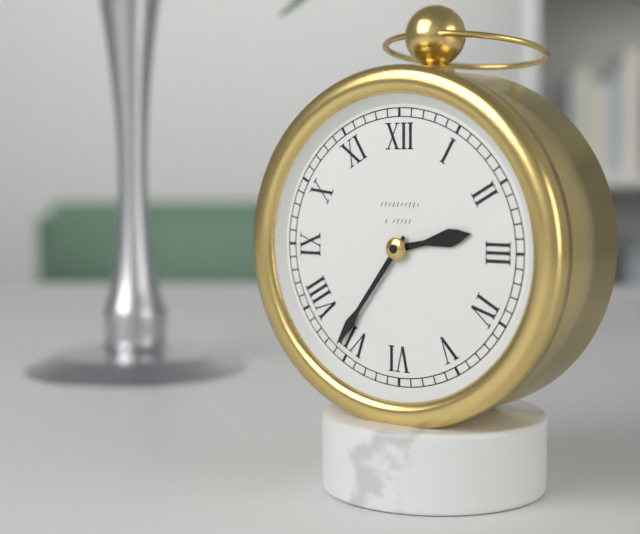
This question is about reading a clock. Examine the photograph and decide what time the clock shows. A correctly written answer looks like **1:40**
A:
**2:36**
